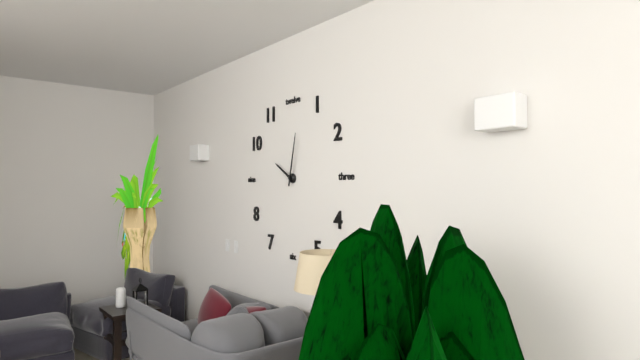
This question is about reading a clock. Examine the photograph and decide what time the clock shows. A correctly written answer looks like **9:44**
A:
**10:02**
